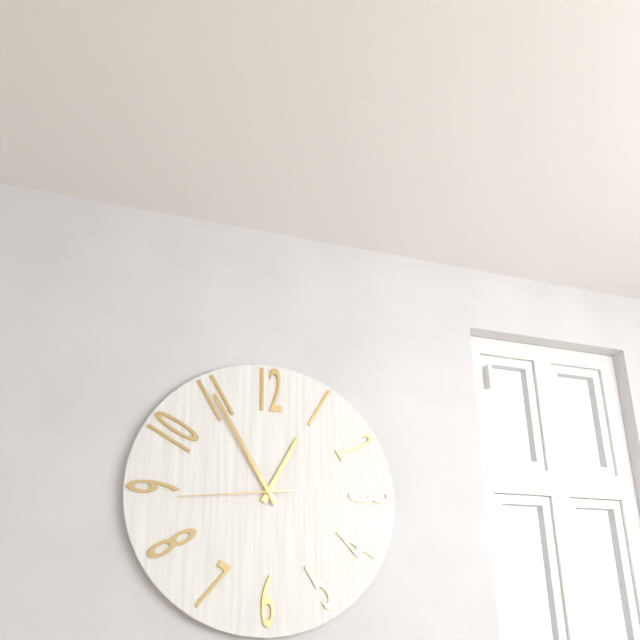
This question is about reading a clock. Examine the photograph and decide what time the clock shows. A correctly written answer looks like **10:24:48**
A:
**12:55:44**
